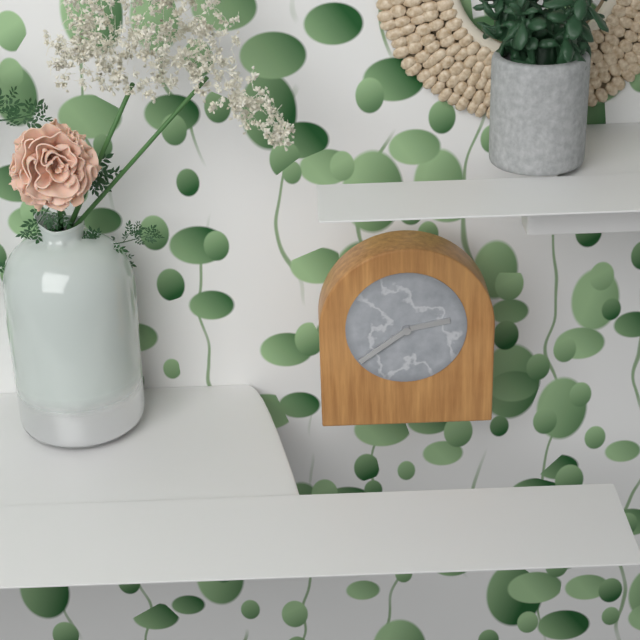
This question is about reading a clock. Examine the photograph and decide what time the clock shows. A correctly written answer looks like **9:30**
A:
**2:39**
